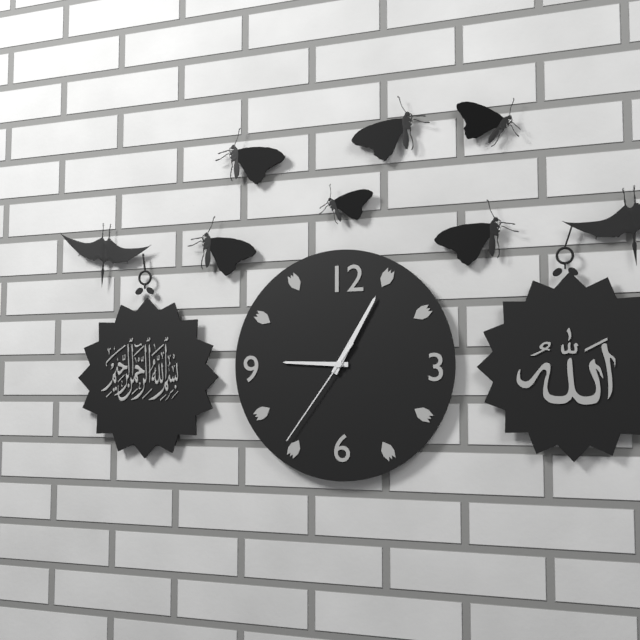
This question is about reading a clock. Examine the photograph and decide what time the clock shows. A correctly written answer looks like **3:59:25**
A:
**9:05:36**
